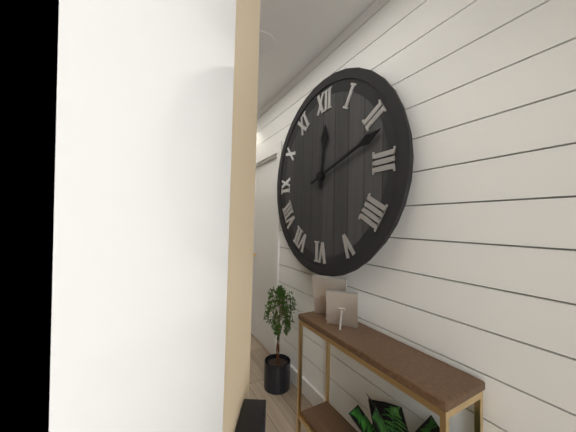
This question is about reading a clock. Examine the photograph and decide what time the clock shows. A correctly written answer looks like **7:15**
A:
**12:12**
